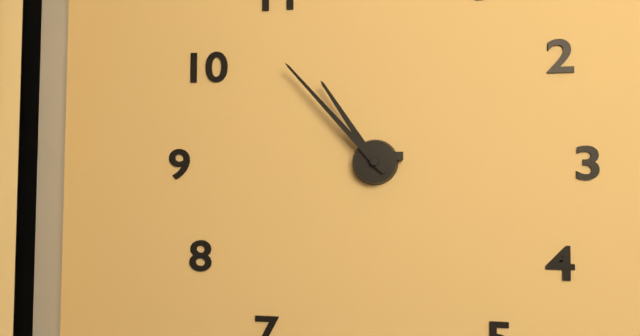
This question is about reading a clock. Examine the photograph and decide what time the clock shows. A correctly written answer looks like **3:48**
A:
**10:53**
